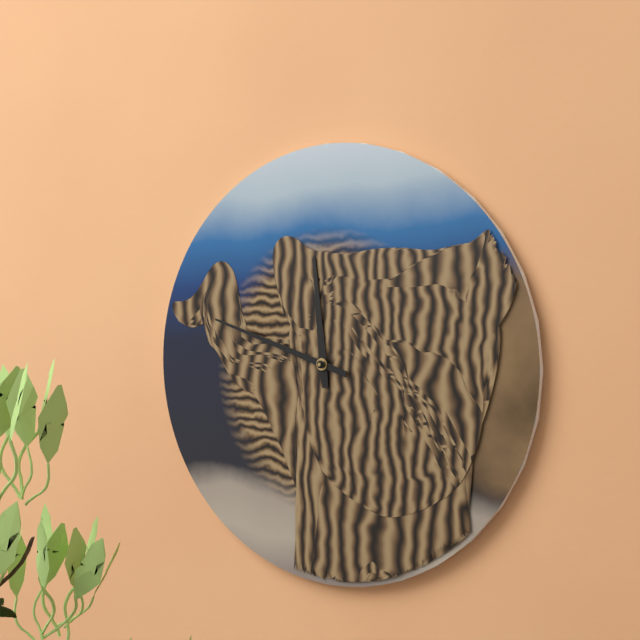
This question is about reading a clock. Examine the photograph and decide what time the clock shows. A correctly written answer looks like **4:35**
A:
**11:48**
